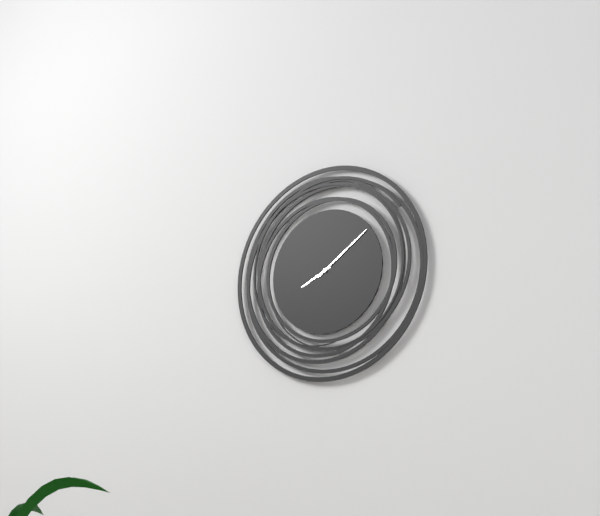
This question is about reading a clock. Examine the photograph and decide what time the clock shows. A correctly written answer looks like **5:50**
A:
**8:09**
